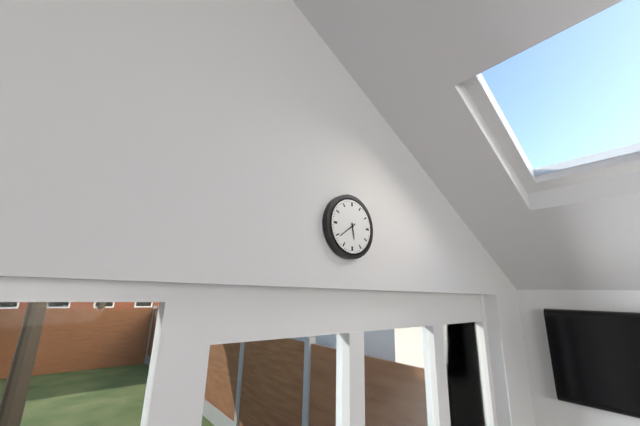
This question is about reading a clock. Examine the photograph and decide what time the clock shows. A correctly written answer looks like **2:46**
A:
**5:39**
